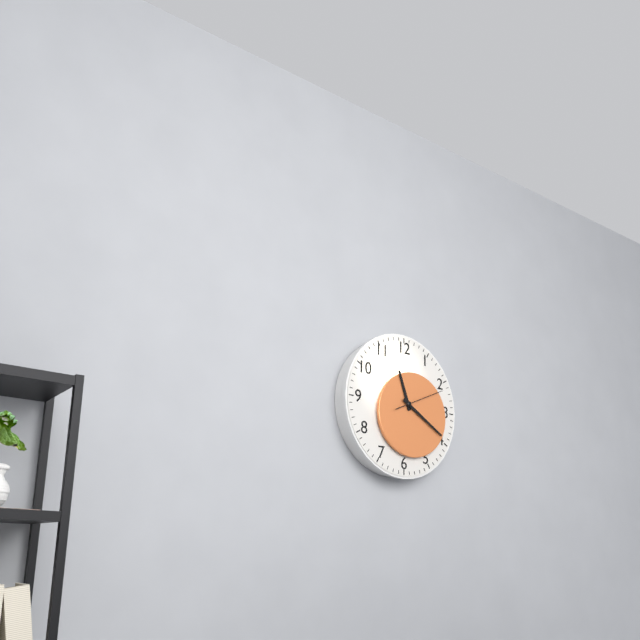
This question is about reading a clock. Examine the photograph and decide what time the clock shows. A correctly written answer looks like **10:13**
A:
**11:20**
